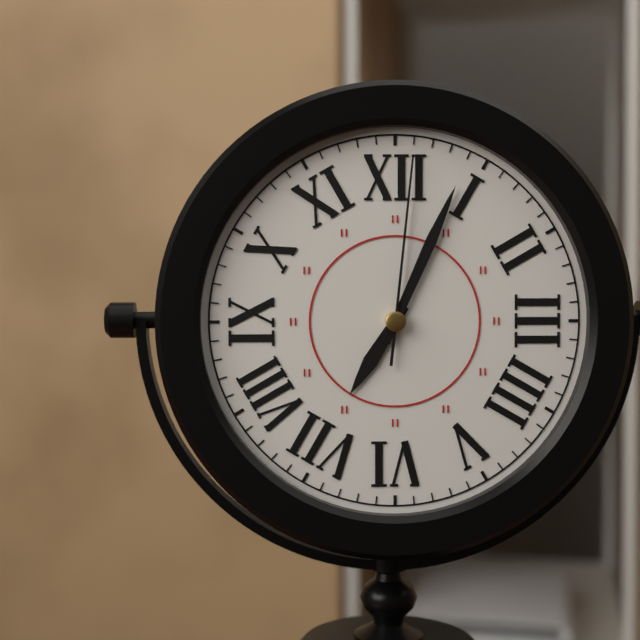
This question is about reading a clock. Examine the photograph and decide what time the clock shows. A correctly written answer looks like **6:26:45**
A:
**7:04:01**
